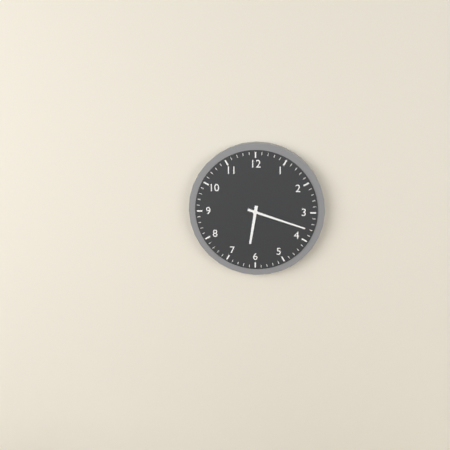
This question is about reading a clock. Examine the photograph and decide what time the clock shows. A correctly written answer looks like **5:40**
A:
**6:18**
